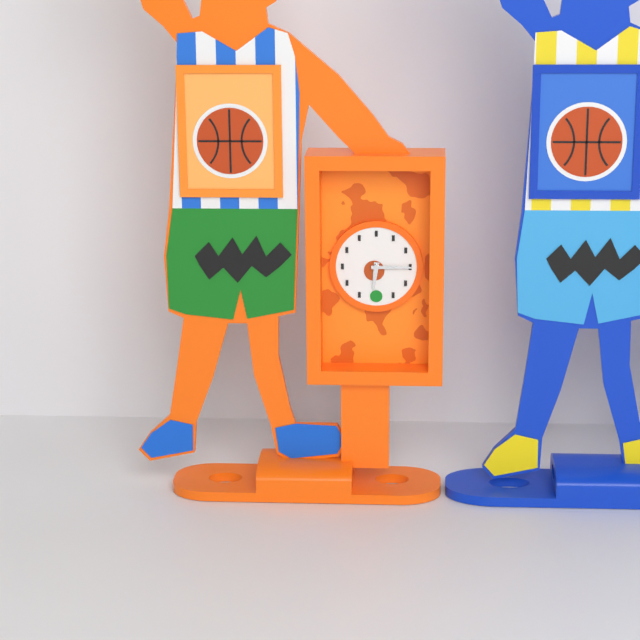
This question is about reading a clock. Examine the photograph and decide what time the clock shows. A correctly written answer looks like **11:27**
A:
**6:15**
